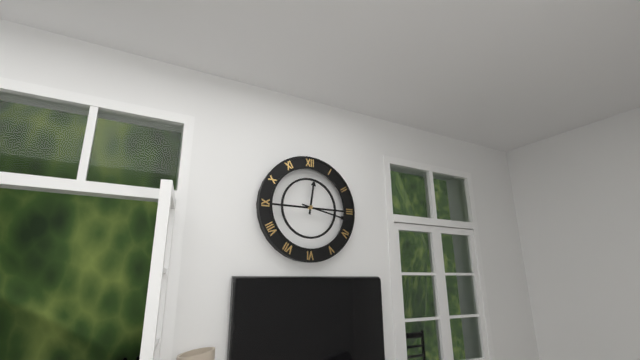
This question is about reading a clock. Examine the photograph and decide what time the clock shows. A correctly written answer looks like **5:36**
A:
**12:17**
